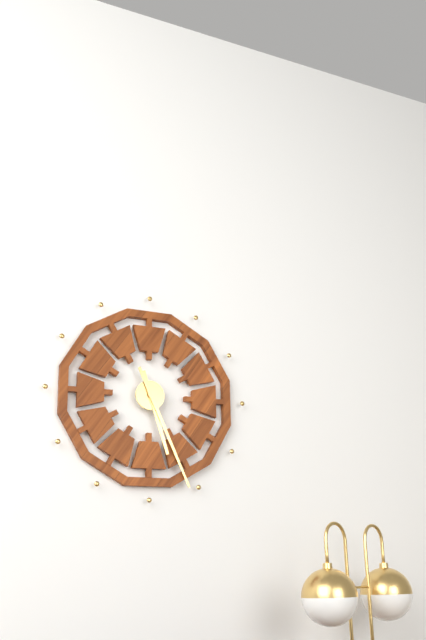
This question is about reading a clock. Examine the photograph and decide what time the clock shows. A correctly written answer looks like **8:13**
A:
**5:26**
